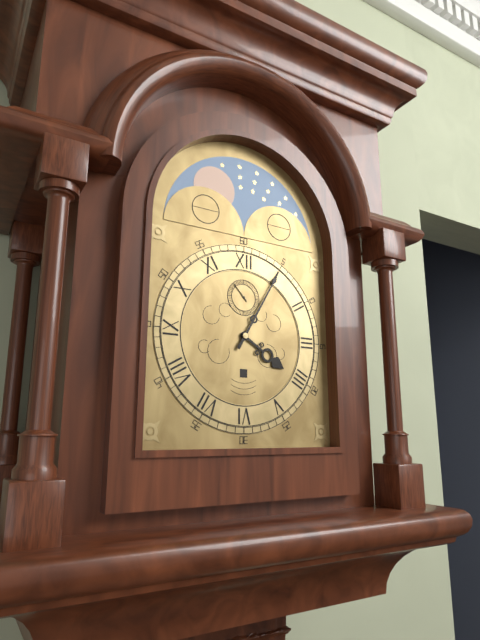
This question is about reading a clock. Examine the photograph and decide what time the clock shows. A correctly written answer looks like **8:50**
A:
**4:05**
